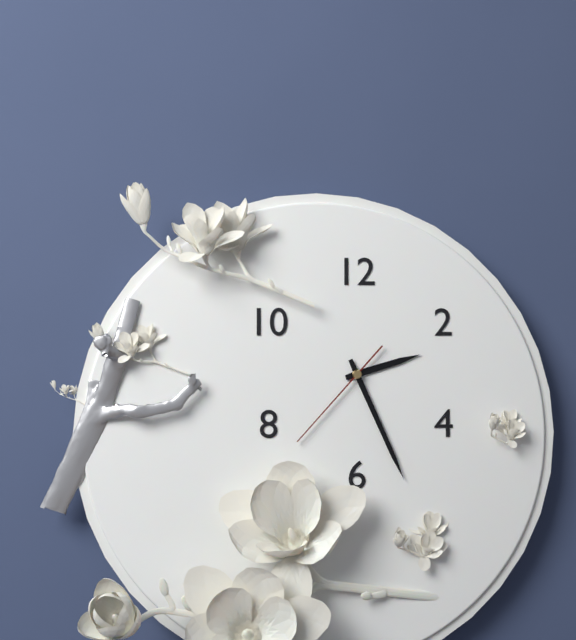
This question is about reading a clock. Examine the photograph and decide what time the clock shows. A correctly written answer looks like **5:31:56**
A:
**2:26:37**
